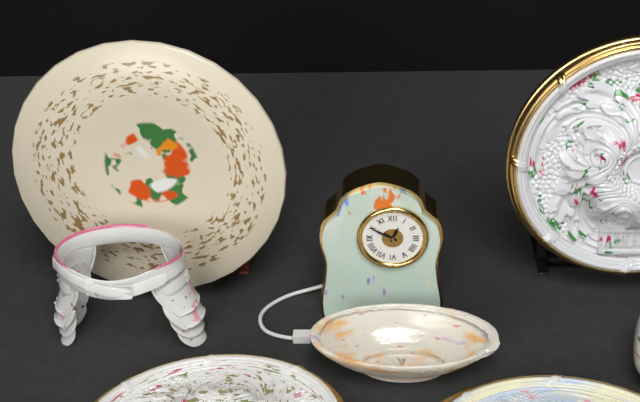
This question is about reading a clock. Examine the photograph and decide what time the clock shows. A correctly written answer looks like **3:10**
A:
**12:50**
